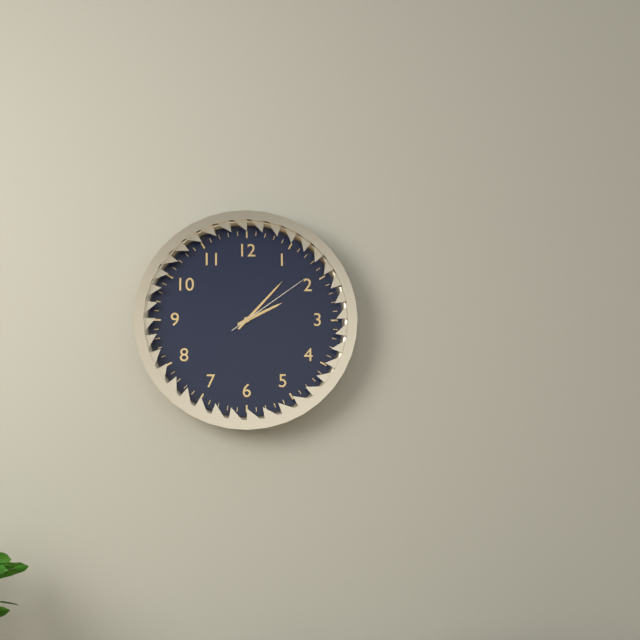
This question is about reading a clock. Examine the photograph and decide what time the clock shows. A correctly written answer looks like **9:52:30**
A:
**2:07:09**
